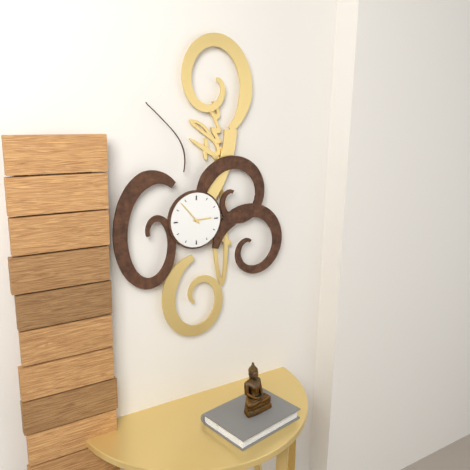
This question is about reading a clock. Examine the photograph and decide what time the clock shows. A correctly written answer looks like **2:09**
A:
**2:53**
